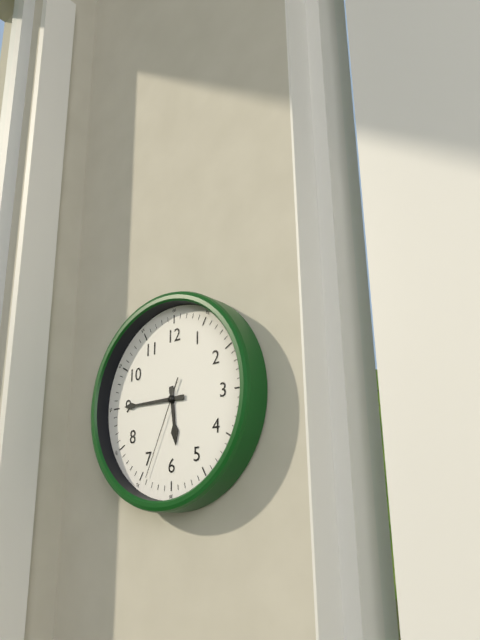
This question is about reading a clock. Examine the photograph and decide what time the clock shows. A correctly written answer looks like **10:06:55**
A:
**5:45:34**
